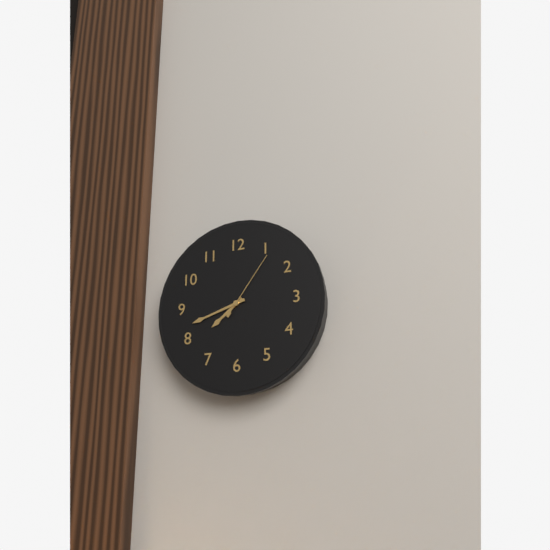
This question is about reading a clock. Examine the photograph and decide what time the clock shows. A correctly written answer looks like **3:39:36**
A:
**7:42:06**
